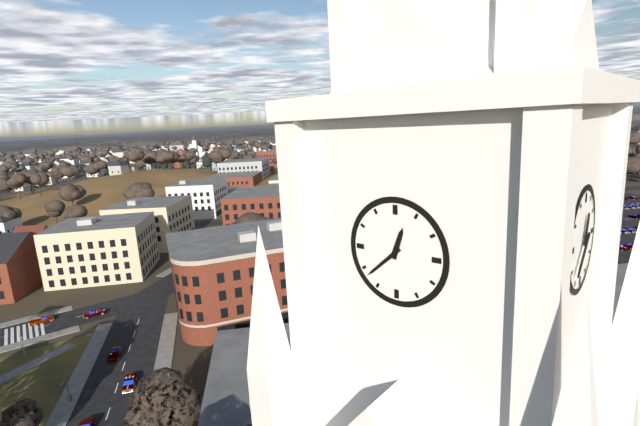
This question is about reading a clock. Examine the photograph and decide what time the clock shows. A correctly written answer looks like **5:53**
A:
**12:38**
